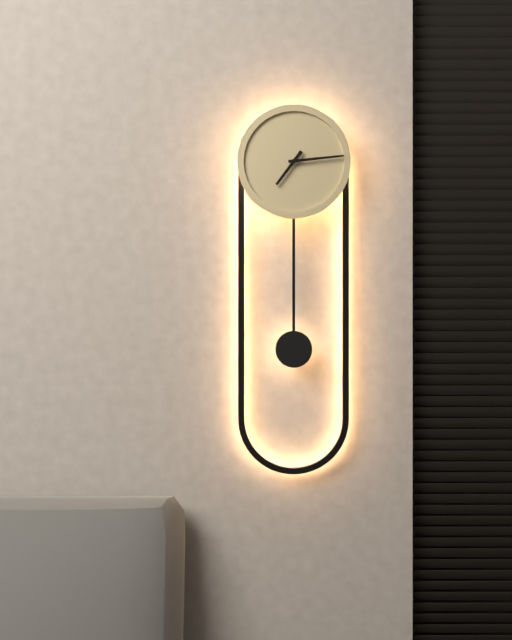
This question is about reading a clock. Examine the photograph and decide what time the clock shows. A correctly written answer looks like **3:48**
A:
**7:14**
